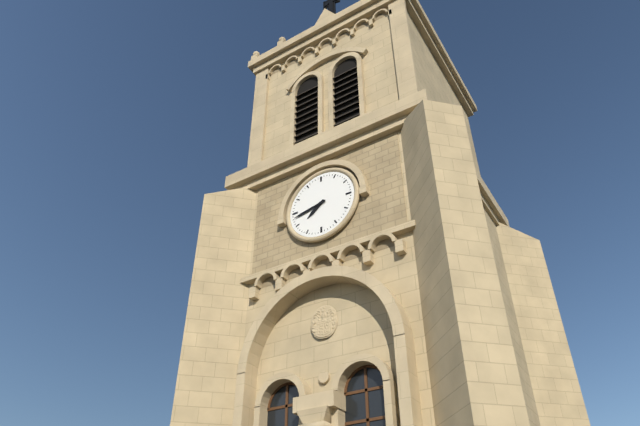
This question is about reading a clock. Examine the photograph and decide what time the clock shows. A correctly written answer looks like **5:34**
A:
**7:43**
